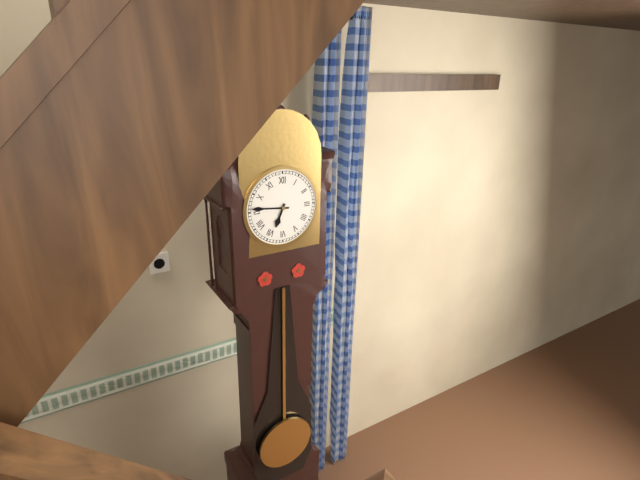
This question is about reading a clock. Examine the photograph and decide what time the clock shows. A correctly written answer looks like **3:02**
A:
**6:46**
